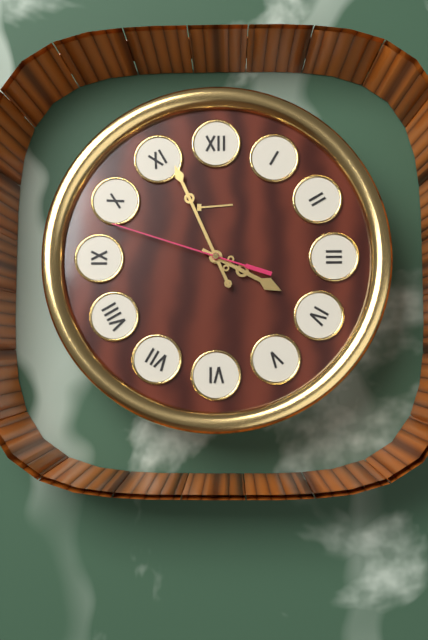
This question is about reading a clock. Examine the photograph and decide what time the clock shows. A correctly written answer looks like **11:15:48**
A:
**3:56:48**
